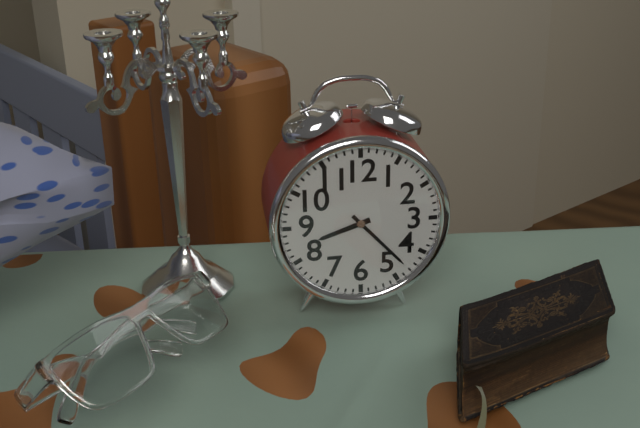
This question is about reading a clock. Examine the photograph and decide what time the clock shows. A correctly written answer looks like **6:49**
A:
**8:23**
